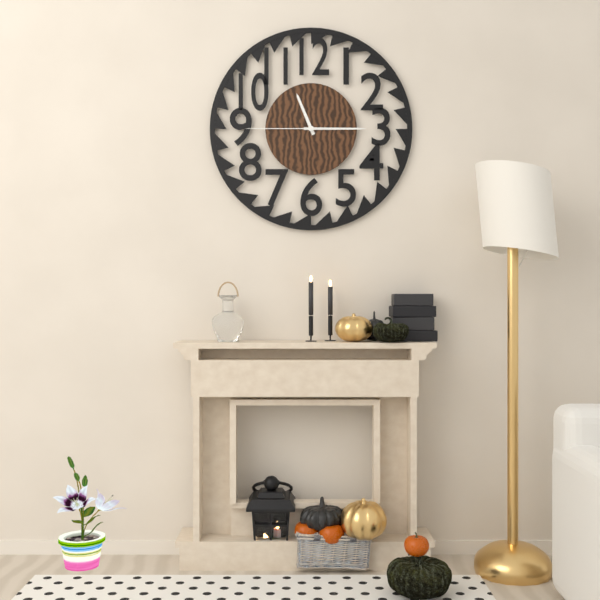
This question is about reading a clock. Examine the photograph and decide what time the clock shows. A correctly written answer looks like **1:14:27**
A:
**11:15:45**
